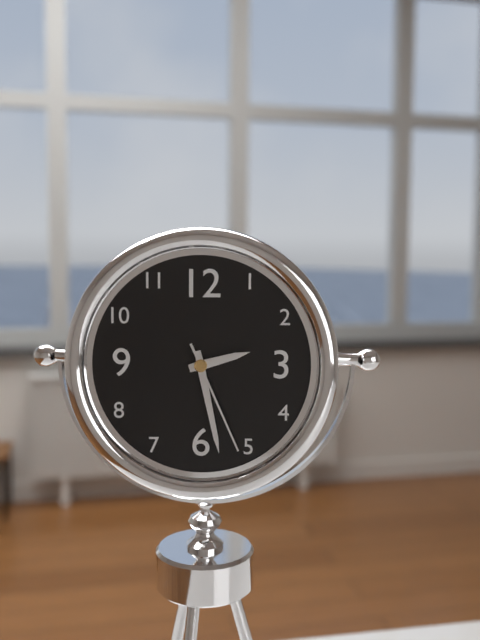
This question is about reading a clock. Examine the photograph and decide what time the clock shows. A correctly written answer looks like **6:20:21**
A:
**2:28:26**
